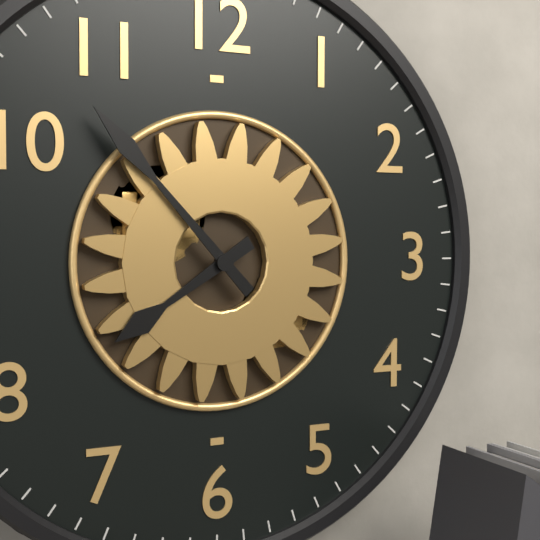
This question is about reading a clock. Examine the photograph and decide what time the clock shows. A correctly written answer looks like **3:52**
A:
**7:53**
